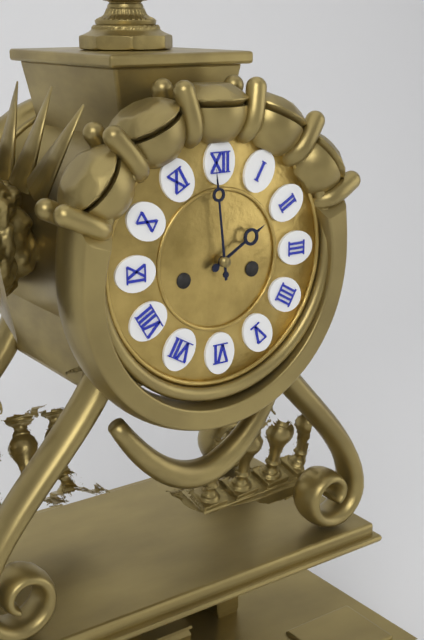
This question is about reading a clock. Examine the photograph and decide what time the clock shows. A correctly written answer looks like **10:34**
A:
**1:59**
